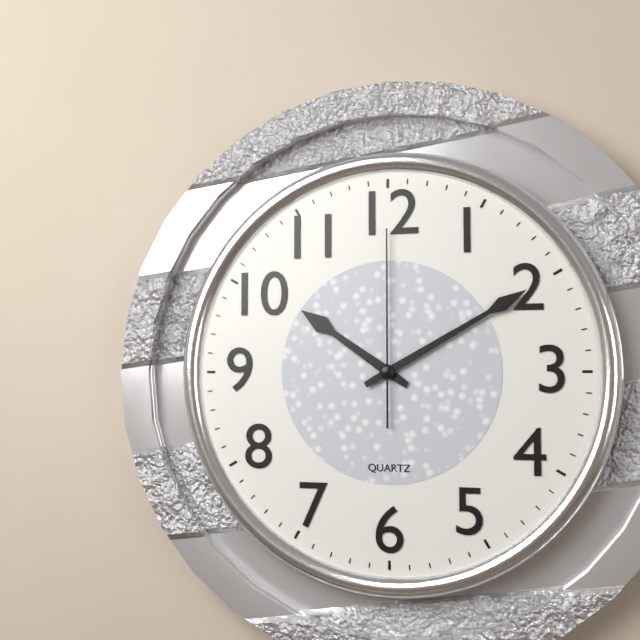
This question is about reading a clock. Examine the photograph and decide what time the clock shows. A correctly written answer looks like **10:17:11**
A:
**10:10:00**
